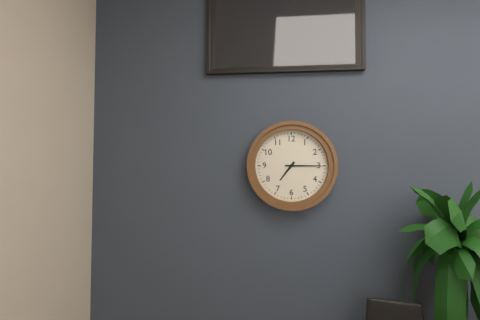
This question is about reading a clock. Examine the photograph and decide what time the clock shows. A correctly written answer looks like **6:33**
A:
**7:15**
